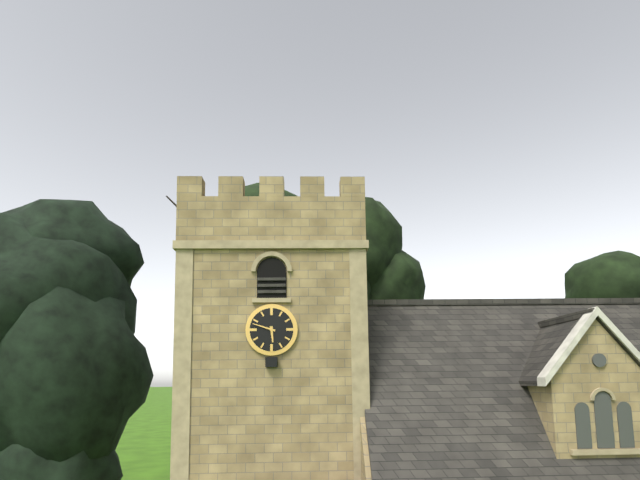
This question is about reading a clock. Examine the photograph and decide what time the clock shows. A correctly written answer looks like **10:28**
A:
**5:48**
